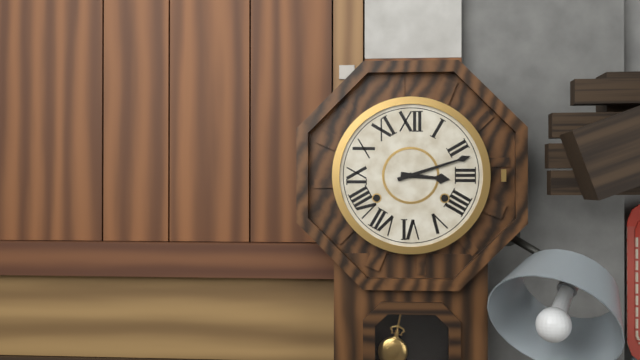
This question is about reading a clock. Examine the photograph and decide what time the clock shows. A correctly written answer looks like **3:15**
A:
**3:12**
